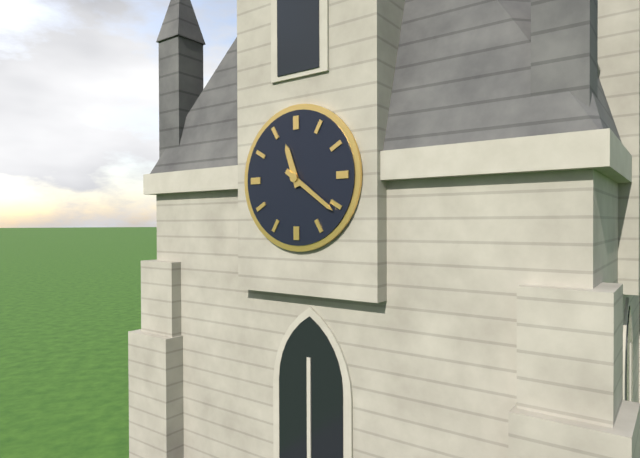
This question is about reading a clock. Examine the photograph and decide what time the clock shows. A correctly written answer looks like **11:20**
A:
**11:21**
